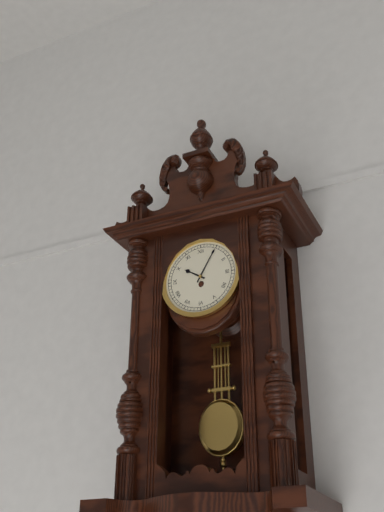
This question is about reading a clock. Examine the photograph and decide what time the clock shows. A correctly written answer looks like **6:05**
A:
**10:05**
